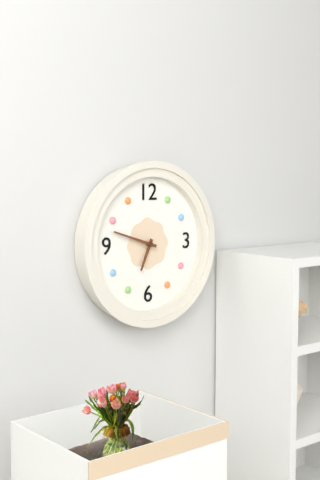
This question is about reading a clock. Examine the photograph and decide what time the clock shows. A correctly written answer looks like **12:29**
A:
**6:48**
